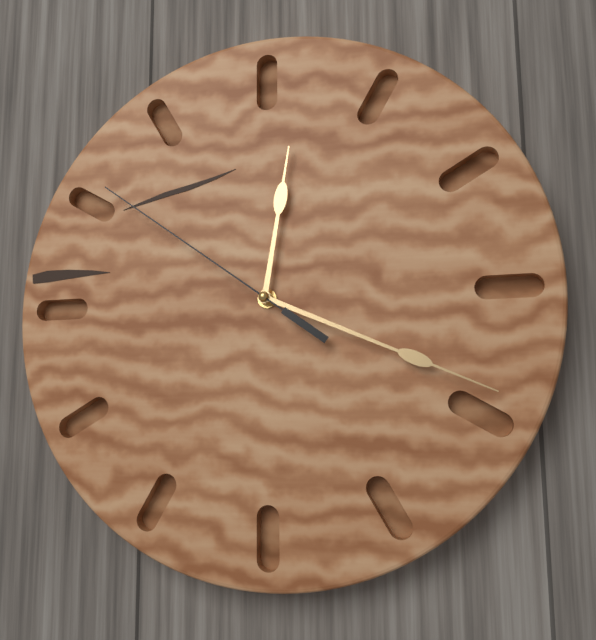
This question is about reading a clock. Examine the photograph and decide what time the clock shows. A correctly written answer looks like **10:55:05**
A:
**12:19:51**
